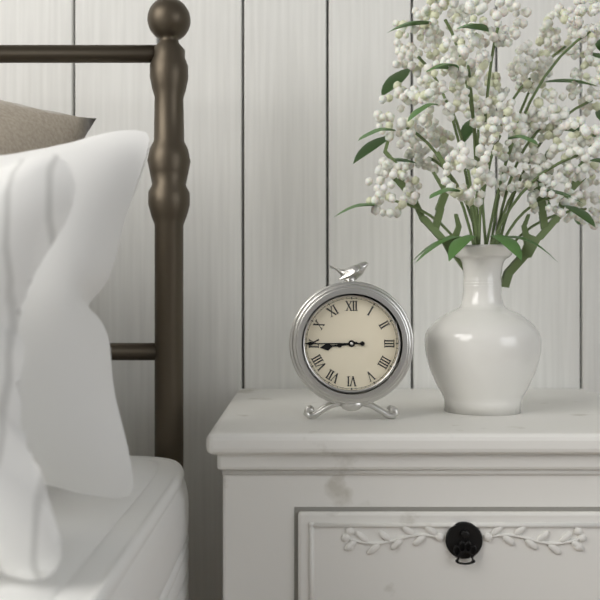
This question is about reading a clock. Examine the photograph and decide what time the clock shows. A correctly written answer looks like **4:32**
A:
**8:45**
